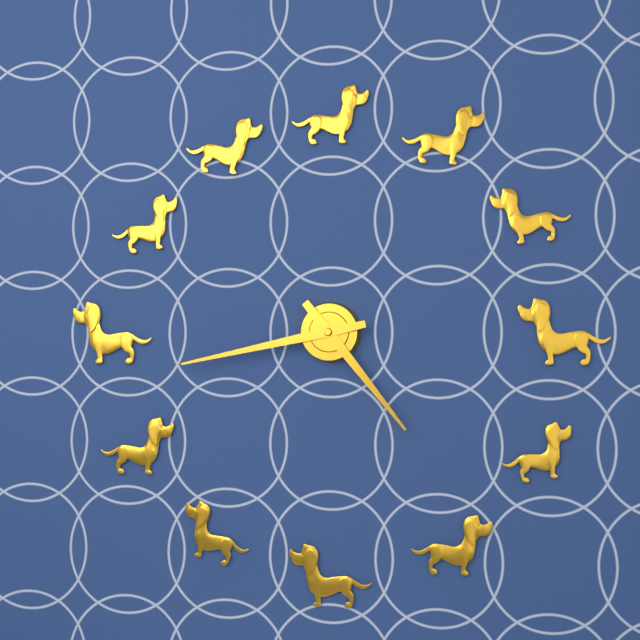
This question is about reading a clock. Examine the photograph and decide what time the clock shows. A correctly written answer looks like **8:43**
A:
**4:43**
